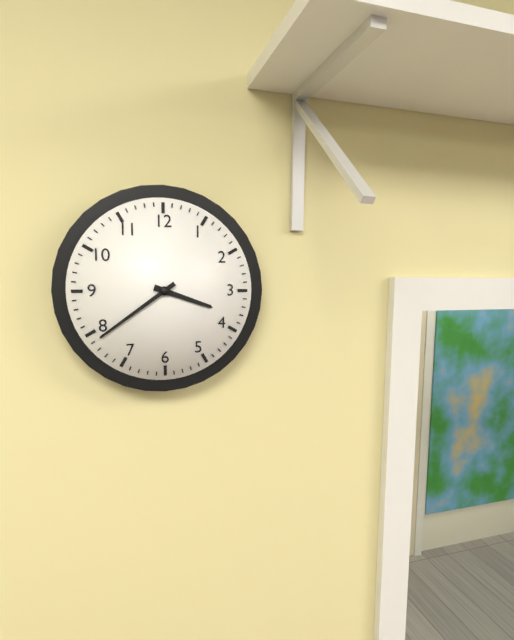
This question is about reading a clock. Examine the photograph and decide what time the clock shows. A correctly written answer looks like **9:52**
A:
**3:39**
